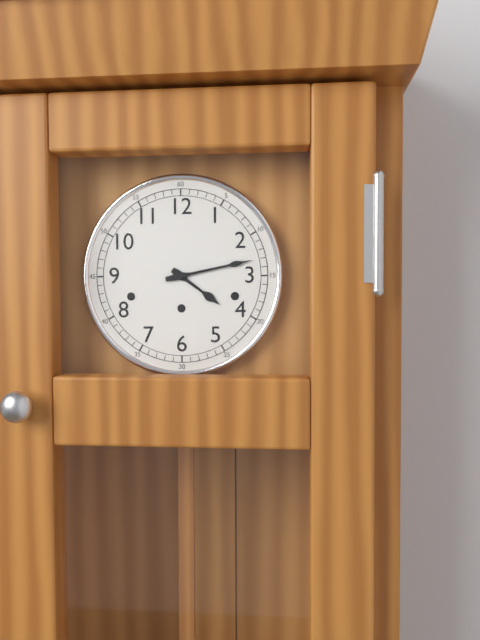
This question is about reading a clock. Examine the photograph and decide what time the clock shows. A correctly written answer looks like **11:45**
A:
**4:13**
